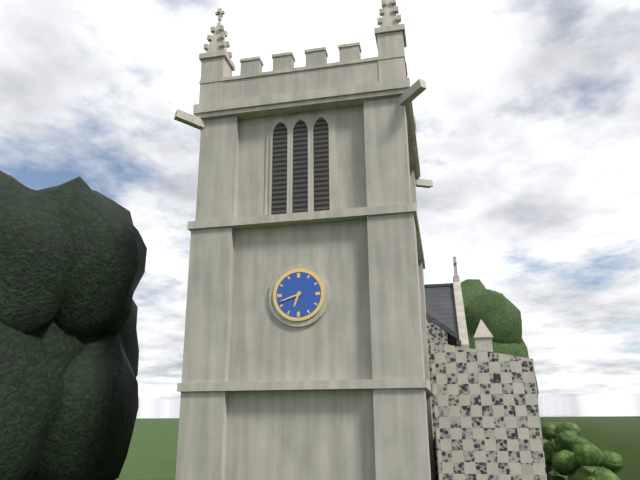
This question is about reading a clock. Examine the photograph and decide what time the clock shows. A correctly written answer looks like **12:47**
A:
**6:42**
